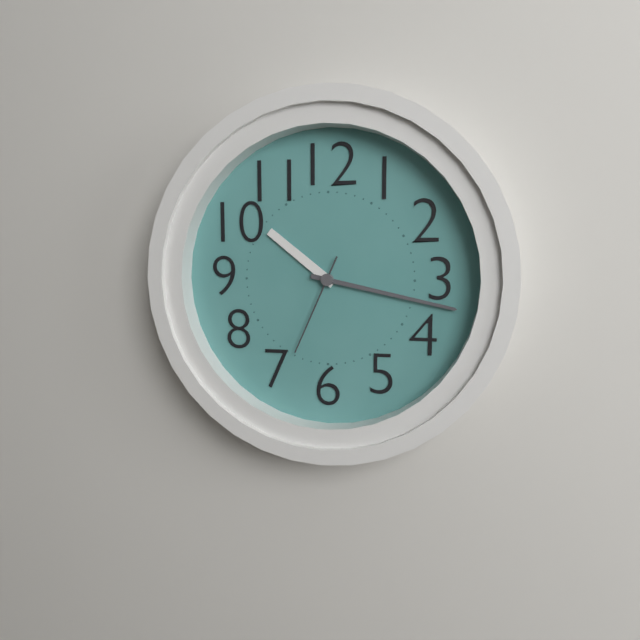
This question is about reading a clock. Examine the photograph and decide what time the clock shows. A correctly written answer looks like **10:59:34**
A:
**10:17:34**
